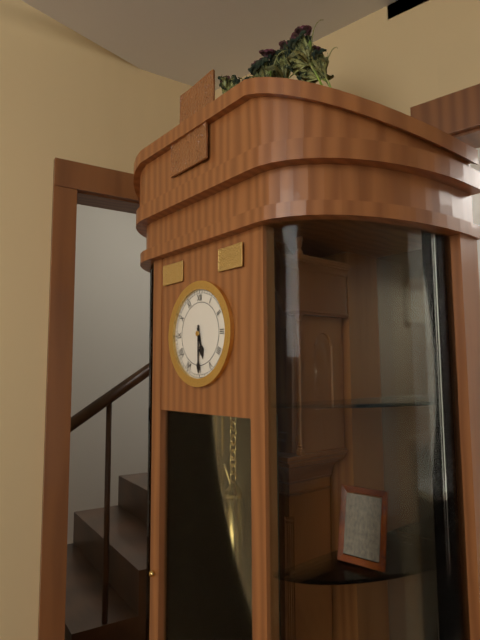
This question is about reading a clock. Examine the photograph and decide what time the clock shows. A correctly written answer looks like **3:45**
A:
**5:30**
